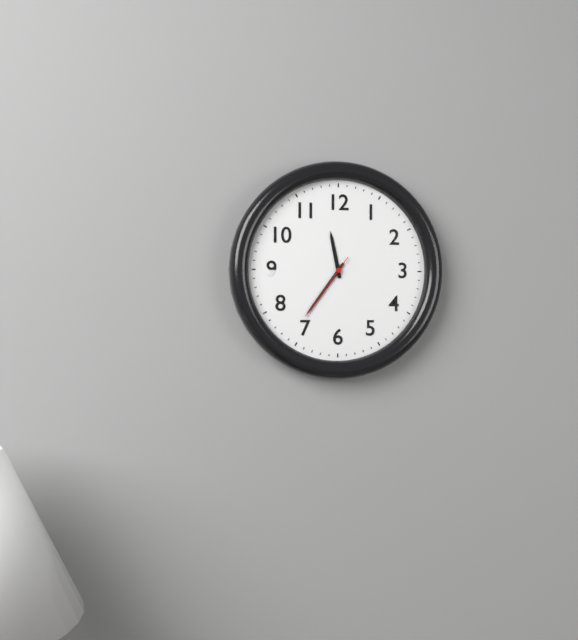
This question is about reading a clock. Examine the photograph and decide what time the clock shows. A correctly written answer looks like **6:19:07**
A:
**11:36:36**
